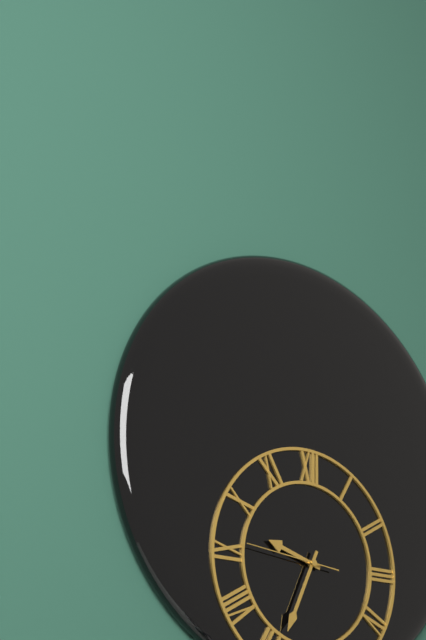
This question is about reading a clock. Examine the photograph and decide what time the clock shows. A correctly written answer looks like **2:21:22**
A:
**9:34:46**
